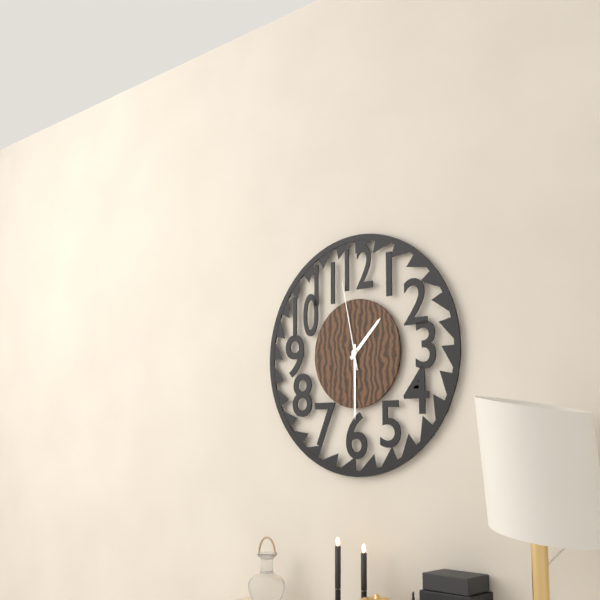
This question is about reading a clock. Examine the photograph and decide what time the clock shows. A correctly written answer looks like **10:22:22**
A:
**1:30:58**
